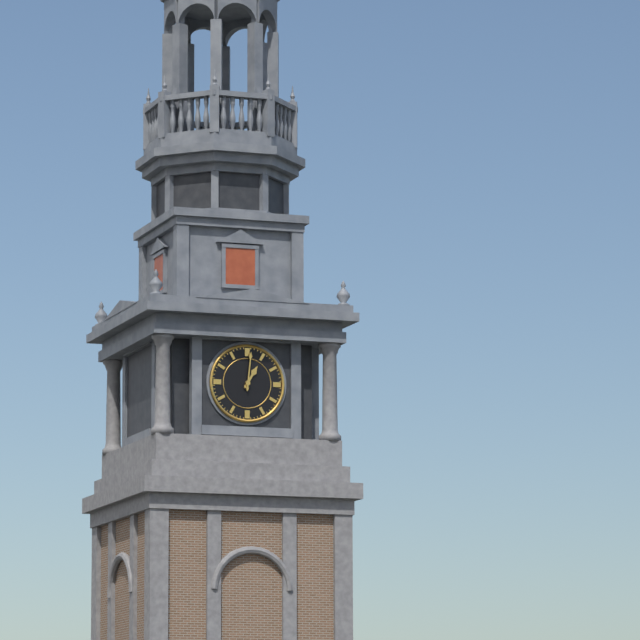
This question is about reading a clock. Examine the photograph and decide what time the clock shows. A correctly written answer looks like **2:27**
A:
**1:01**
